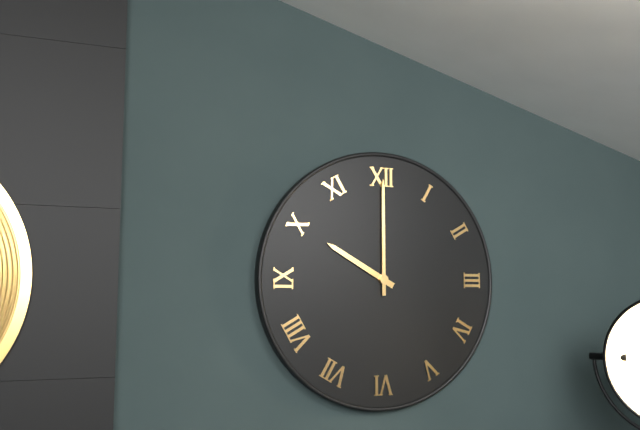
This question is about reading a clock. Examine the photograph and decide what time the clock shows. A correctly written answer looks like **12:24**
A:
**10:00**
